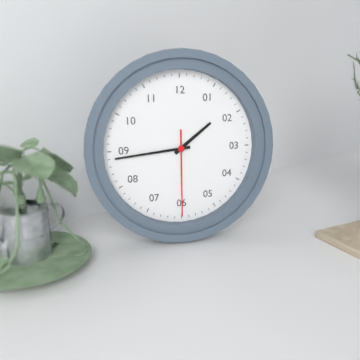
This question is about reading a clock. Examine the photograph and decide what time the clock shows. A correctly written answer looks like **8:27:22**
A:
**1:44:30**
